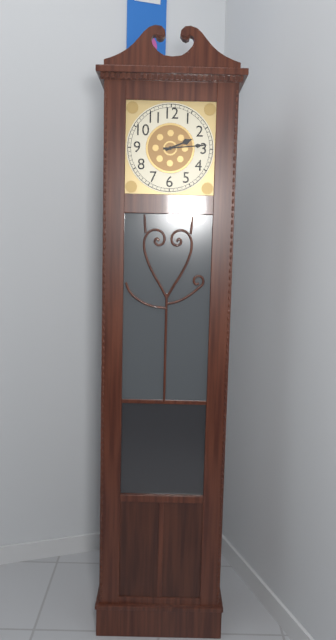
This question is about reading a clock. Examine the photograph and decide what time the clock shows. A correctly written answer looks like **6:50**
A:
**2:14**
